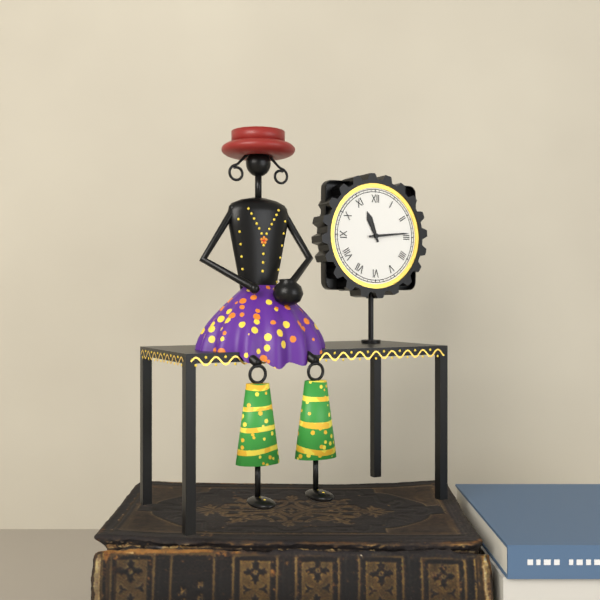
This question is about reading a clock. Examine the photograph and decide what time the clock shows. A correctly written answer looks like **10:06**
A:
**11:14**
